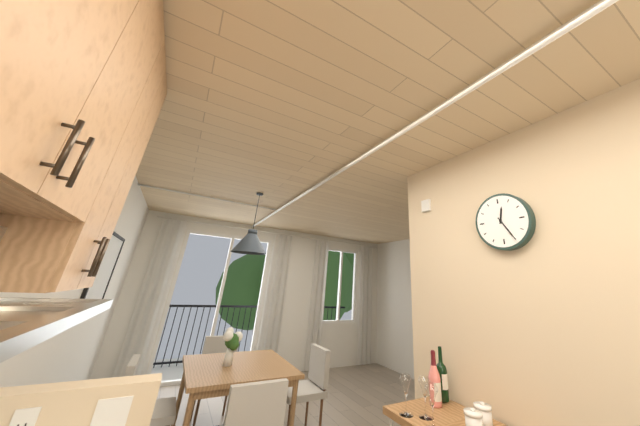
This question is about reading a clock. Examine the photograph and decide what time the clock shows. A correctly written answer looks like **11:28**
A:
**12:25**
